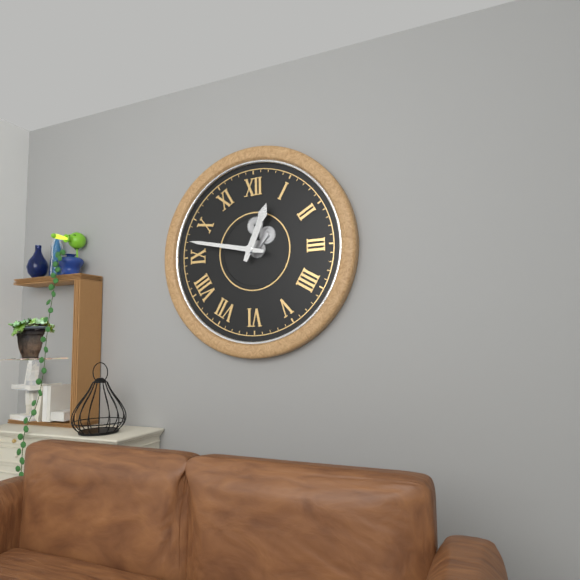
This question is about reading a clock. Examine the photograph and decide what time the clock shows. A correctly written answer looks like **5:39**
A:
**12:47**
